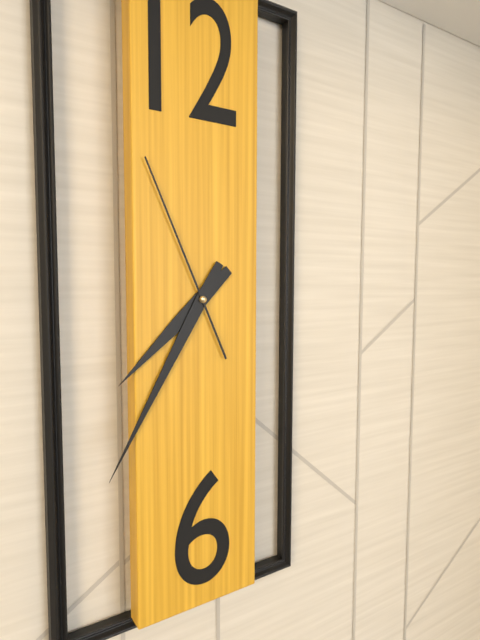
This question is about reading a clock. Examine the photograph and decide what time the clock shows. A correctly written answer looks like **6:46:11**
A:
**7:35:56**
